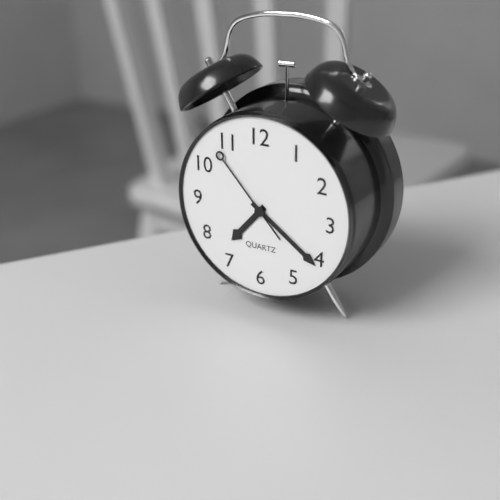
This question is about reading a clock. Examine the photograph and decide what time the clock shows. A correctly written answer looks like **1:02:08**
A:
**7:21:53**
